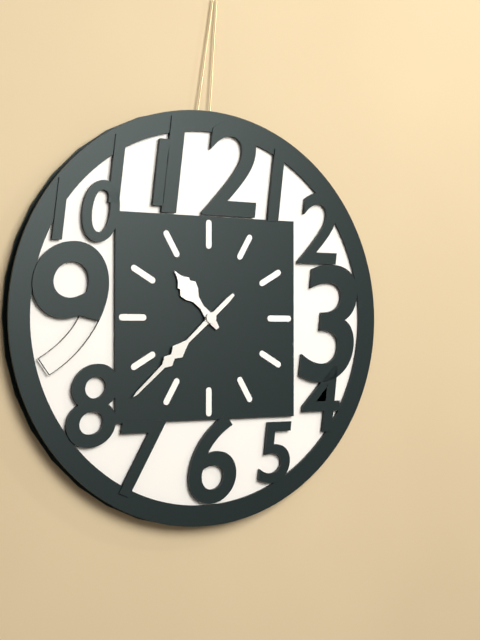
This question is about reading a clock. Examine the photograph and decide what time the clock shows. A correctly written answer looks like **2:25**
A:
**10:38**
